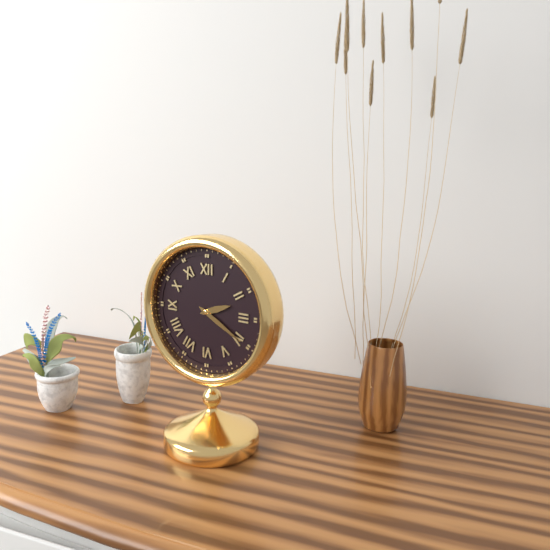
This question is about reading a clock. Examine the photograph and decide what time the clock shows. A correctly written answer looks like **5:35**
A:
**2:20**
